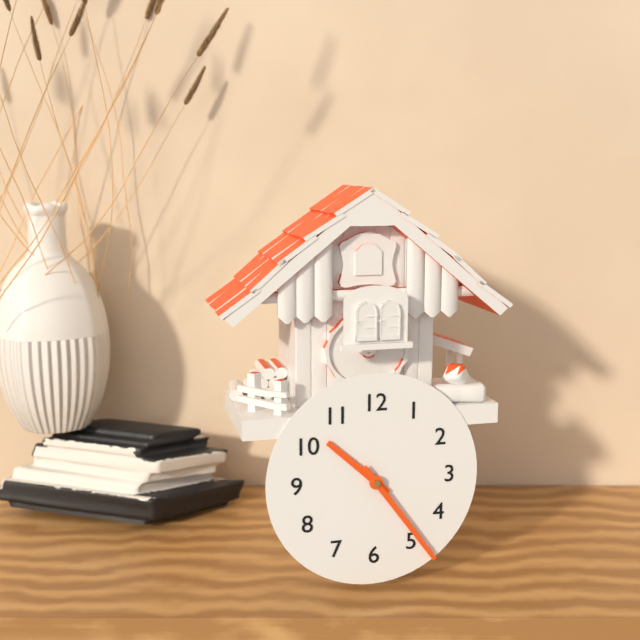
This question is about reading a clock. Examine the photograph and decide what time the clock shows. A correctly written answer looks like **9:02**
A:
**10:24**
